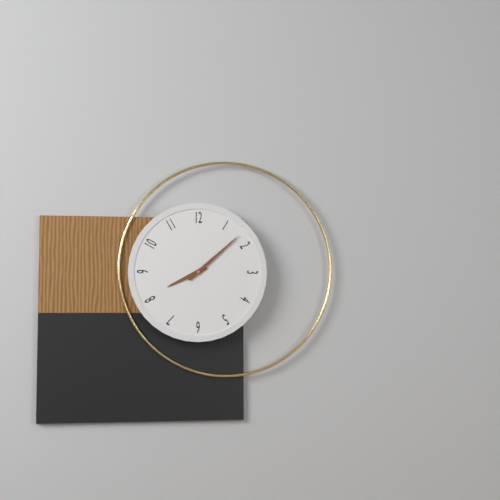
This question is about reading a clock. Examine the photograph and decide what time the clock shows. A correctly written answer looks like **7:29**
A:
**8:08**
